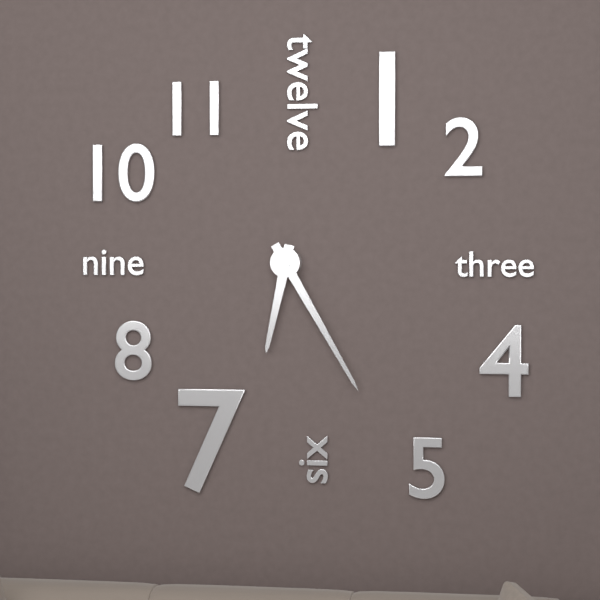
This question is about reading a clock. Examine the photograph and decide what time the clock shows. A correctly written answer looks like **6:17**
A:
**6:25**
